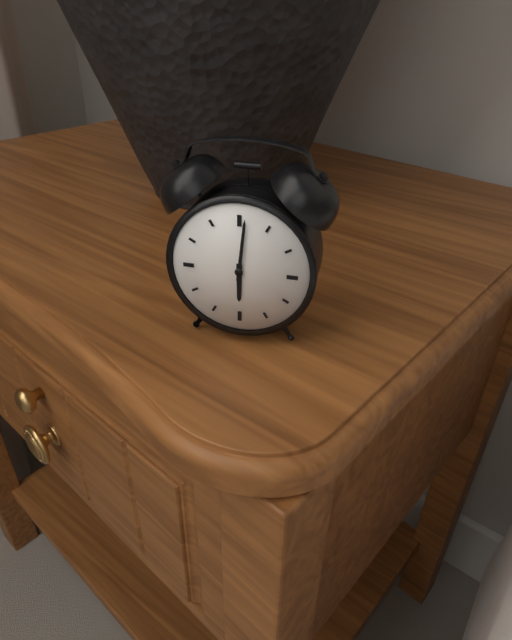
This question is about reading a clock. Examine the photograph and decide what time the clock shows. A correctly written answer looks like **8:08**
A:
**6:01**
